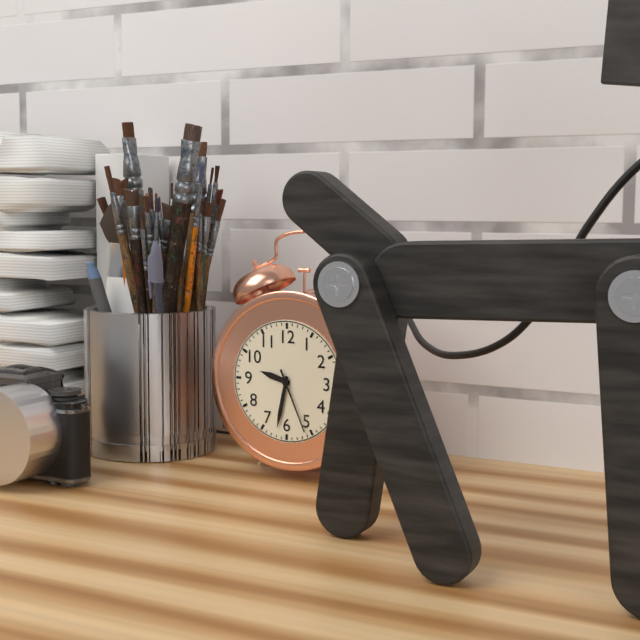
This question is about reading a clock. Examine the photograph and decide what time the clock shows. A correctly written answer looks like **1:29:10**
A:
**9:32:26**
